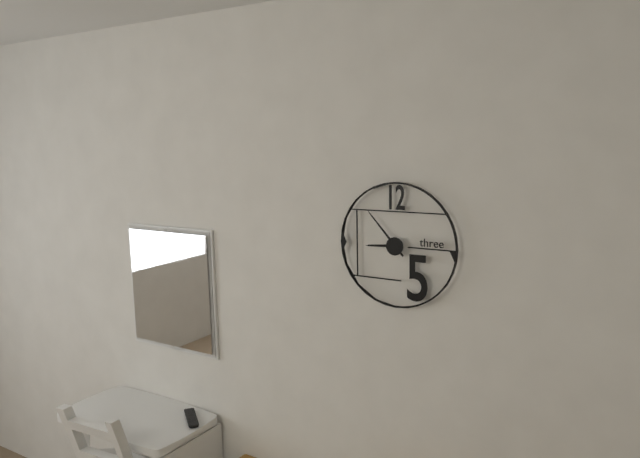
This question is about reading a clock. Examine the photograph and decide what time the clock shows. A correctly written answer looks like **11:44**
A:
**8:53**
